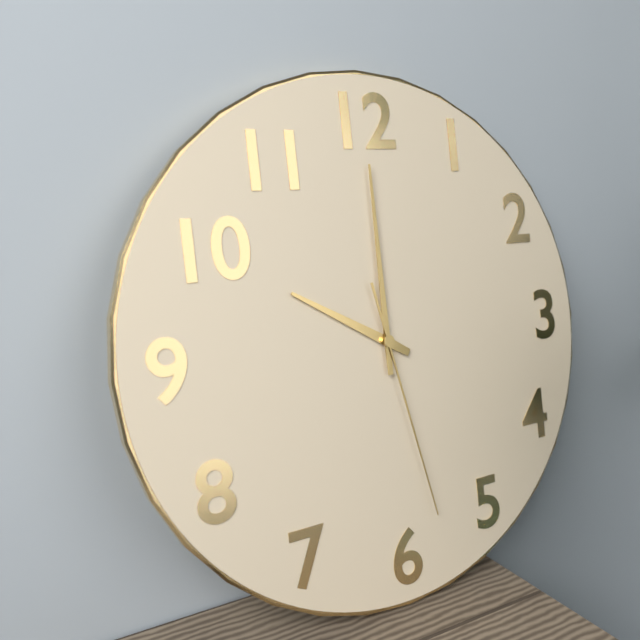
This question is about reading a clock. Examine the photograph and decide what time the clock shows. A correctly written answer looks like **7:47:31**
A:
**10:00:28**
